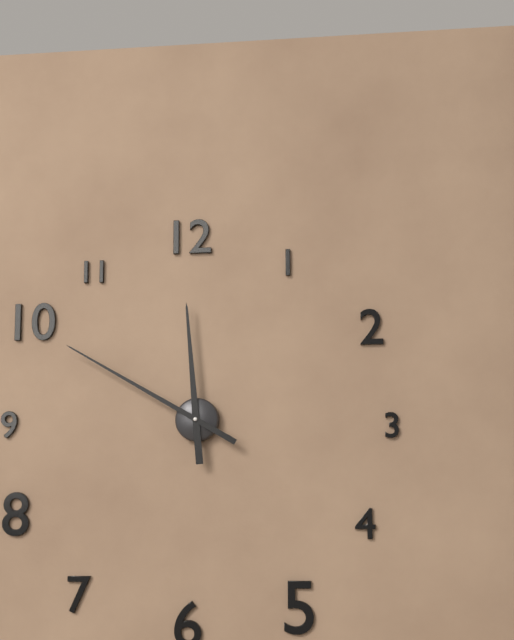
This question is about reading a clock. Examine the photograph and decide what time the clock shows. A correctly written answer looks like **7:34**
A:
**11:50**
